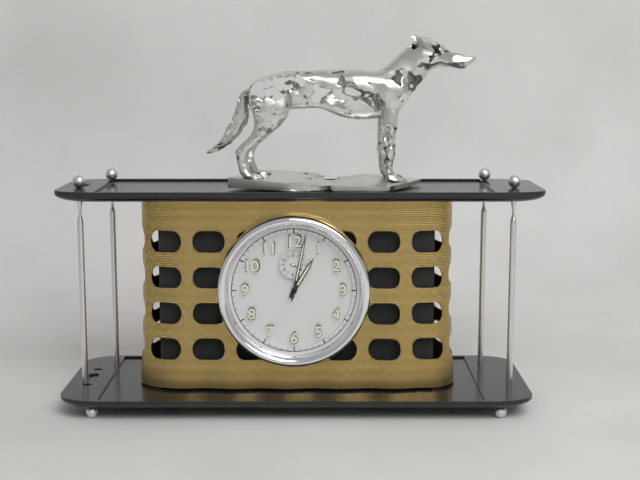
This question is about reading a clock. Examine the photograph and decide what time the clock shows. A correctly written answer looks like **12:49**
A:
**1:02**
